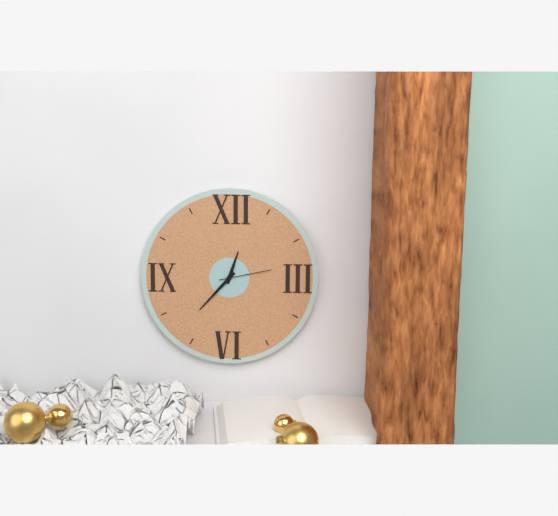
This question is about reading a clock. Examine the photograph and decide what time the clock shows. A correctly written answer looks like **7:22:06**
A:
**12:37:13**
